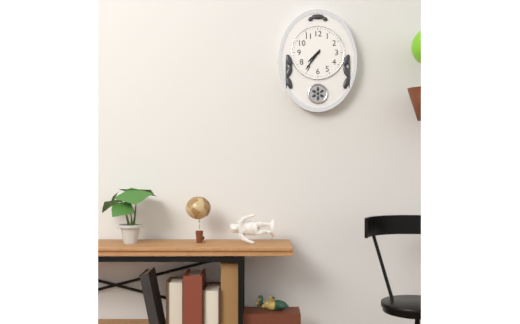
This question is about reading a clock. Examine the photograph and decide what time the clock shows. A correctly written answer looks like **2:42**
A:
**7:36**
